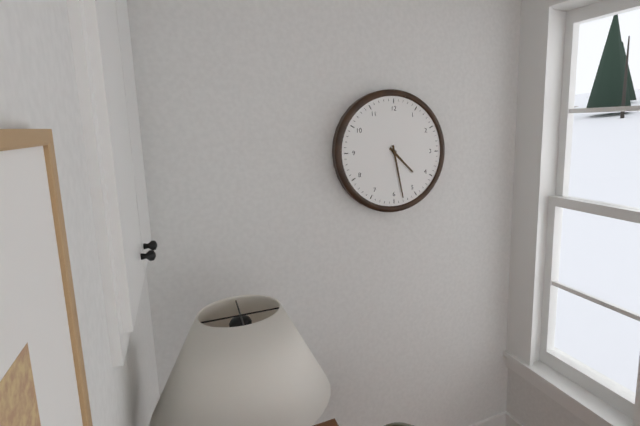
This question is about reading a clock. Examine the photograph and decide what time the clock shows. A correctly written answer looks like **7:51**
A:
**4:28**
